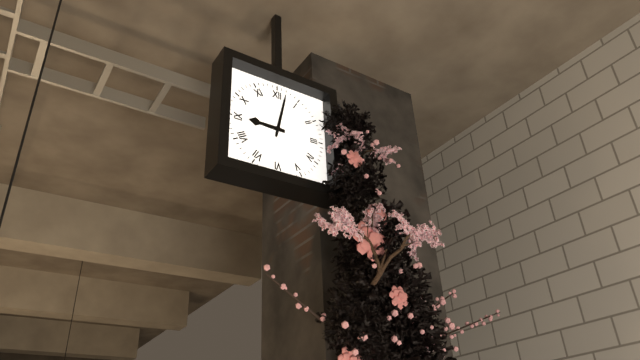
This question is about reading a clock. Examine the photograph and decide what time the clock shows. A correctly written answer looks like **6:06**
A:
**9:02**
